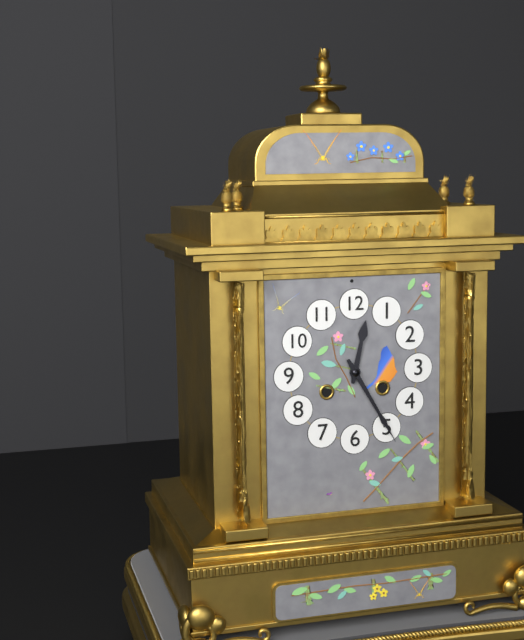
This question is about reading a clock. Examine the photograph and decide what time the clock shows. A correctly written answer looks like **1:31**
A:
**12:25**
